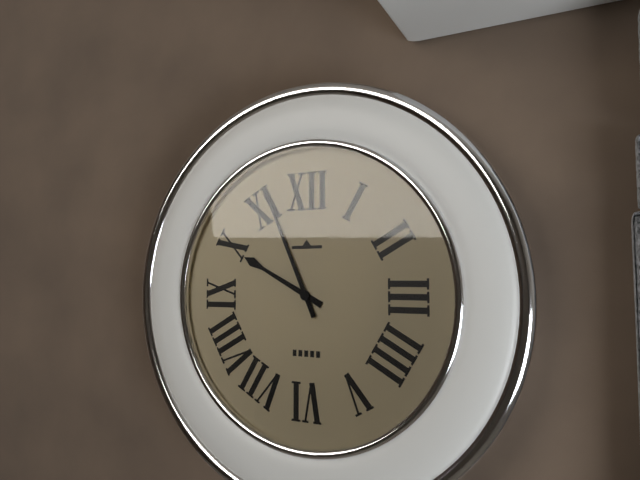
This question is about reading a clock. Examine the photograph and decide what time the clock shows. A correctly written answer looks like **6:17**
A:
**9:56**
